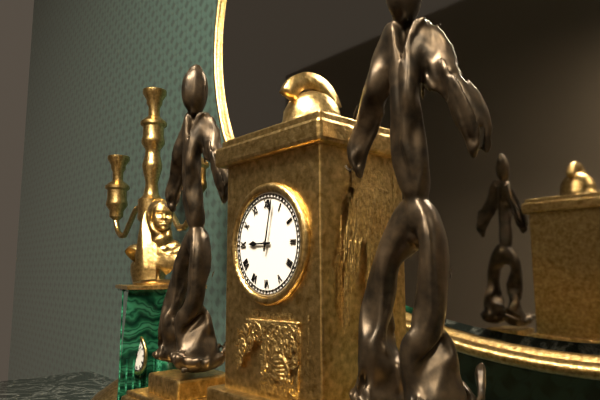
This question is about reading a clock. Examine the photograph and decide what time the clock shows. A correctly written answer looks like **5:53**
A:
**9:02**
